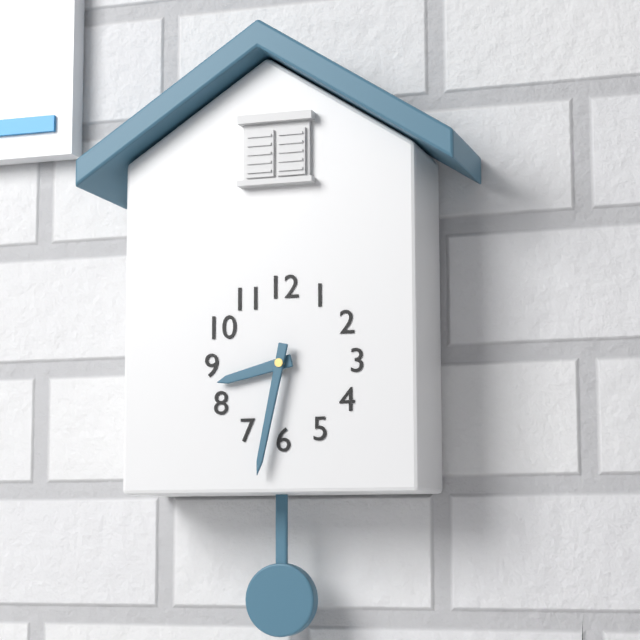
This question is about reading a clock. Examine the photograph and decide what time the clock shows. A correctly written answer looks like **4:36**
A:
**8:32**
